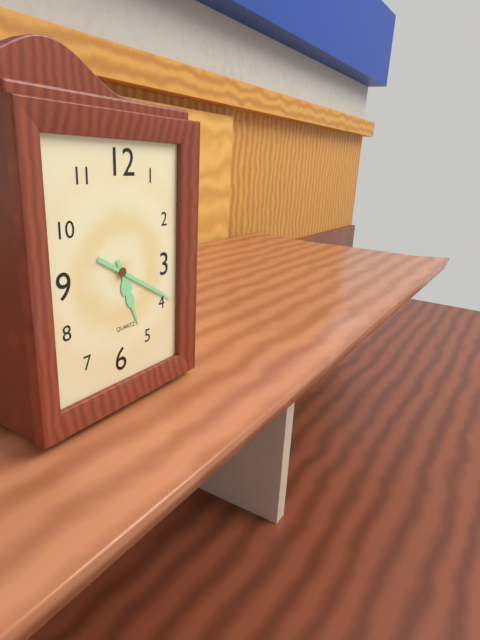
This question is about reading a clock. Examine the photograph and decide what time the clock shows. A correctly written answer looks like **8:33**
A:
**5:20**
